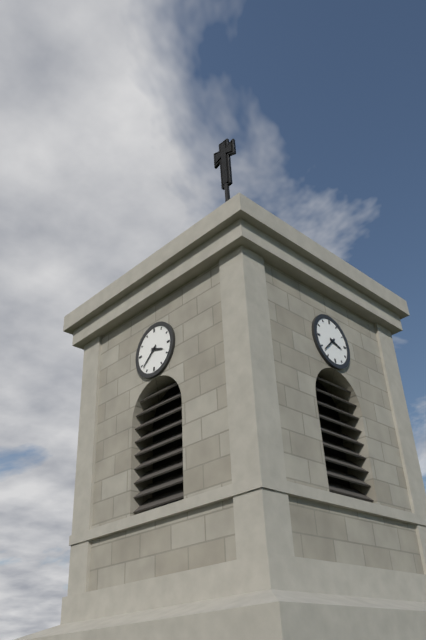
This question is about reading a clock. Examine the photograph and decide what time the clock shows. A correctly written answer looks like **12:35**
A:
**3:38**
